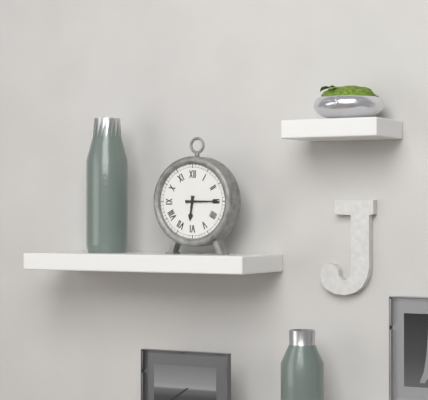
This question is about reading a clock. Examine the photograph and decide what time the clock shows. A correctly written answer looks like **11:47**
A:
**6:15**
